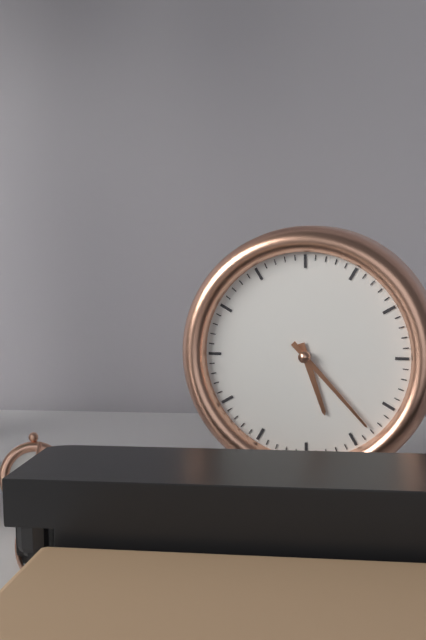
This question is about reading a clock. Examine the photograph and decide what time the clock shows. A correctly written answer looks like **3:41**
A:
**5:23**
